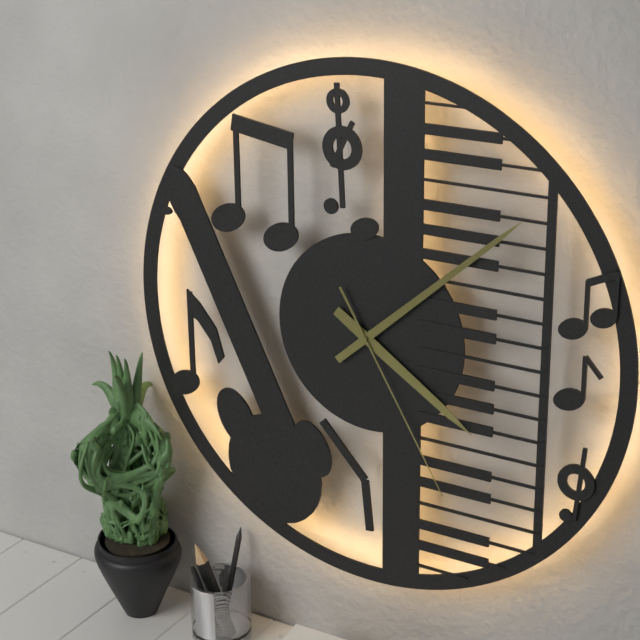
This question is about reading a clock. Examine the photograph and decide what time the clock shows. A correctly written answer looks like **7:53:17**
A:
**4:08:25**
